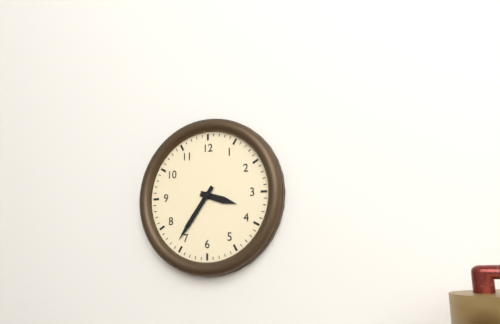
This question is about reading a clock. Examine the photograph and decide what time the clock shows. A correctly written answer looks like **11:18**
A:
**3:36**
